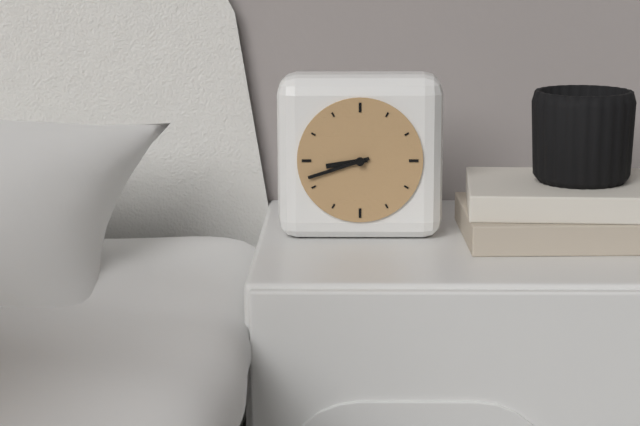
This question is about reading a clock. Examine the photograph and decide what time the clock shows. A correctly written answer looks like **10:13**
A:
**8:42**
